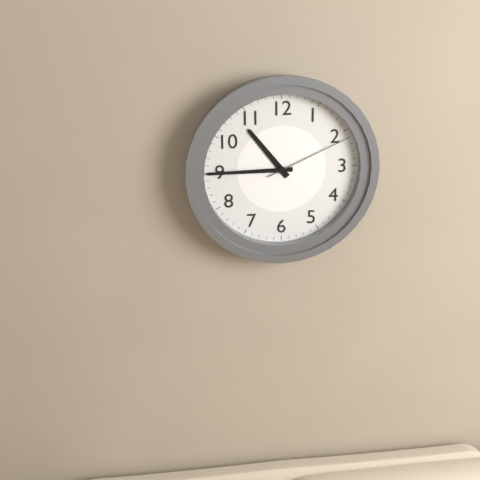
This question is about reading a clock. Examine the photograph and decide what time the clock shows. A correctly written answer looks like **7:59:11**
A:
**10:45:11**
